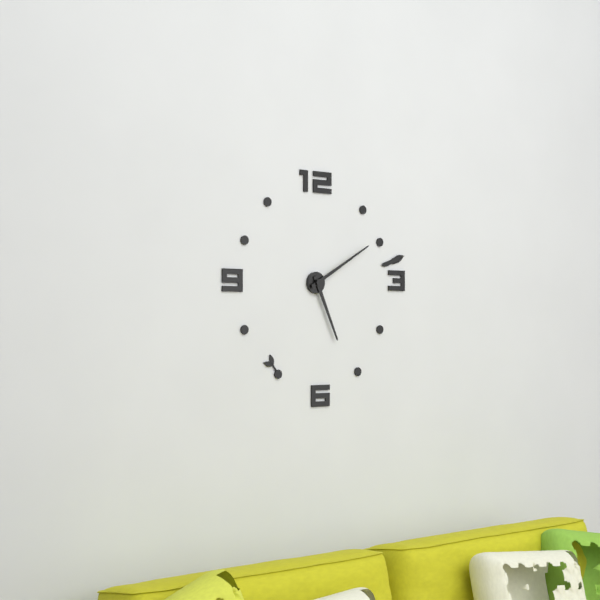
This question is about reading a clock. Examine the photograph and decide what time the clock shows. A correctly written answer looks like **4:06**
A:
**5:10**
